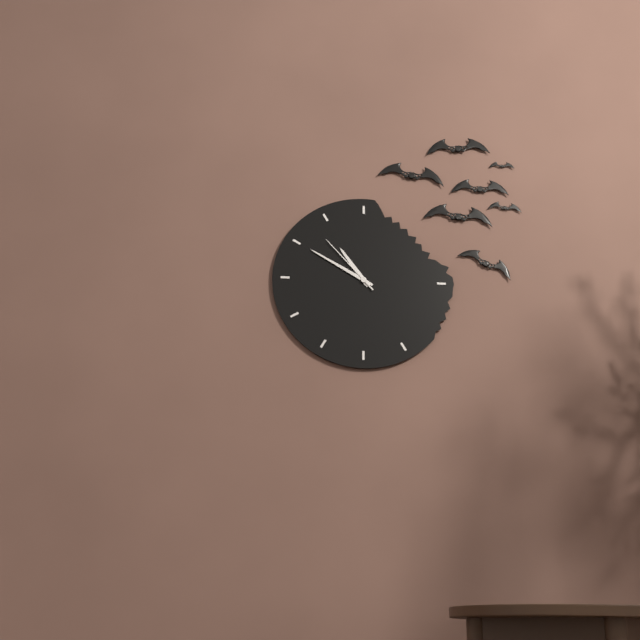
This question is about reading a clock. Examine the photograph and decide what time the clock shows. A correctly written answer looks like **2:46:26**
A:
**10:50:53**
